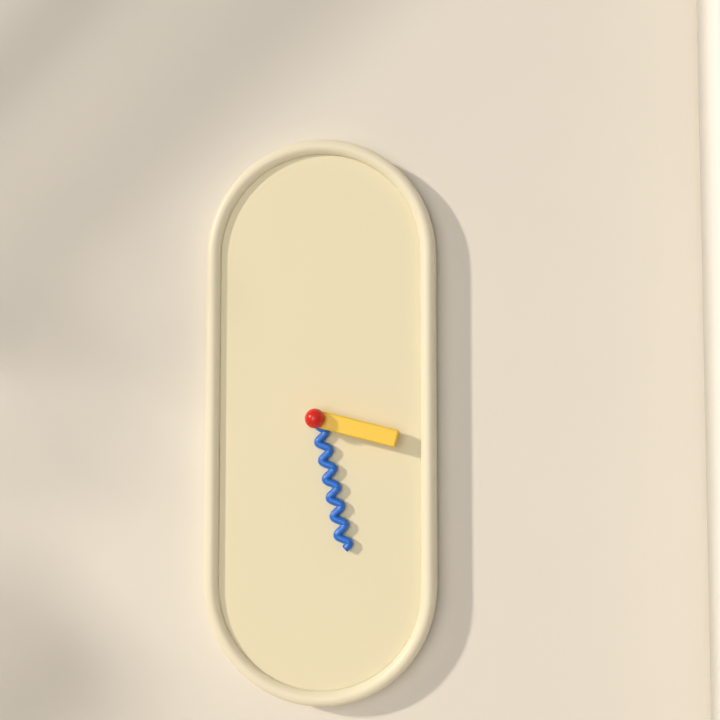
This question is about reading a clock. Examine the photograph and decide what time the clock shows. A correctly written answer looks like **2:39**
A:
**3:28**
